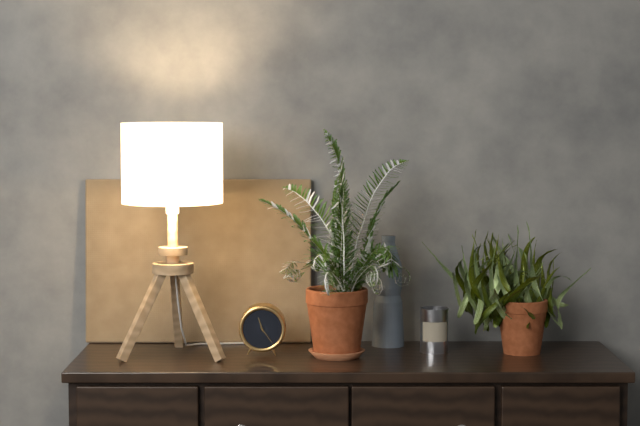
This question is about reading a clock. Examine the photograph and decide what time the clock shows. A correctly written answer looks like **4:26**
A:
**11:24**
